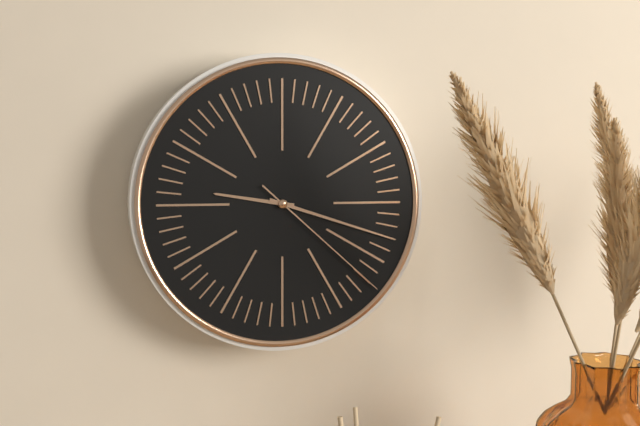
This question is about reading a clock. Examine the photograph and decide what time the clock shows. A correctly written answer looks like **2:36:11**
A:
**9:18:22**
